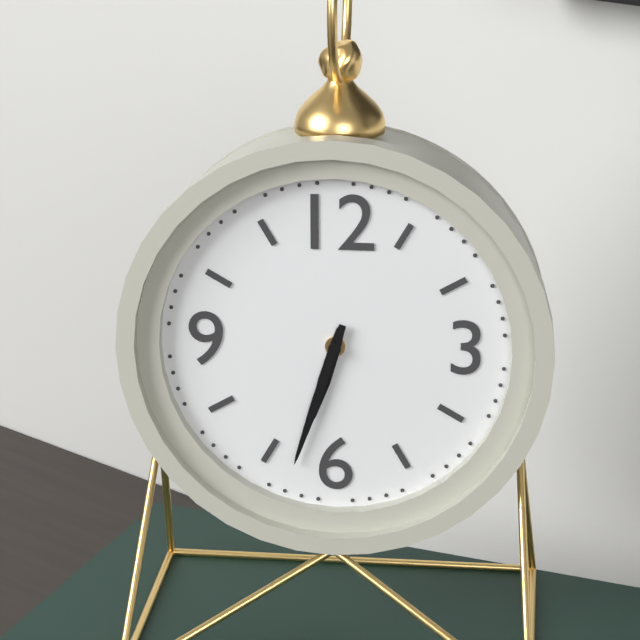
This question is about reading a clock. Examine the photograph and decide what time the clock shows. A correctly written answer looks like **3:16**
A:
**6:33**
